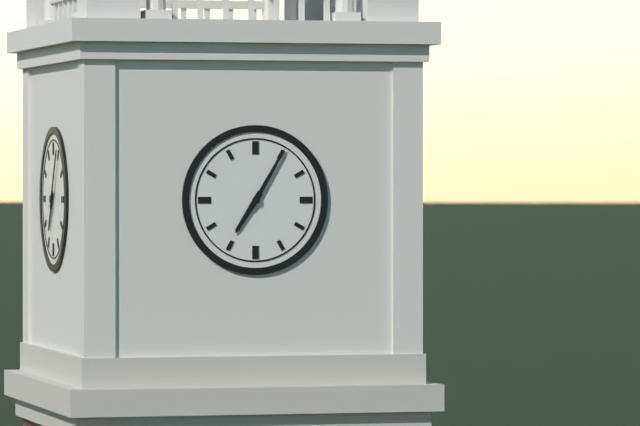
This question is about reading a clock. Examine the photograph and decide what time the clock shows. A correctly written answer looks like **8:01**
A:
**7:05**
